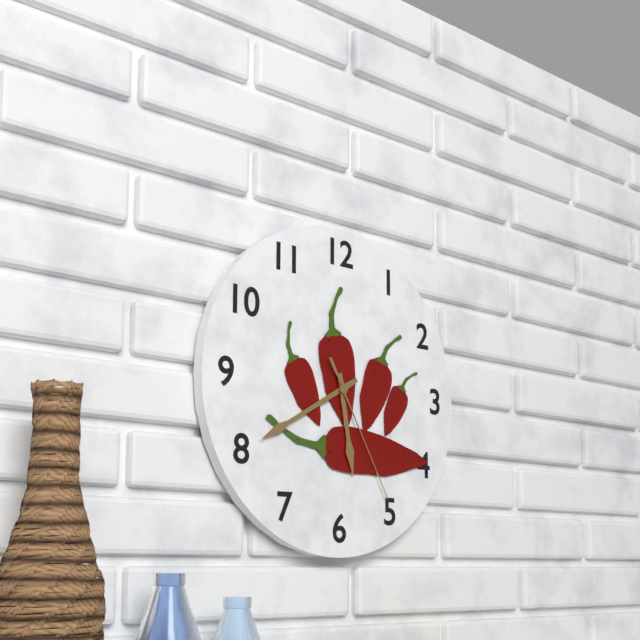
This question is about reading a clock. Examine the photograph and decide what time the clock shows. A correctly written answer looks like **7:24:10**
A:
**5:40:25**
